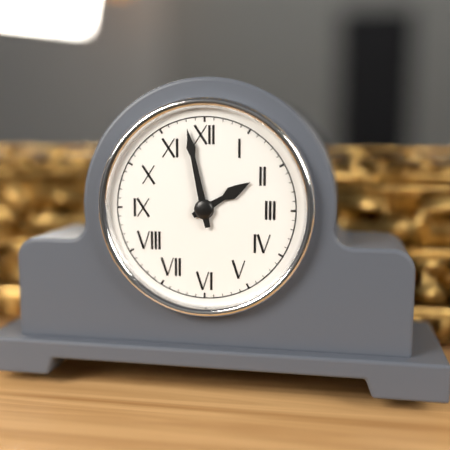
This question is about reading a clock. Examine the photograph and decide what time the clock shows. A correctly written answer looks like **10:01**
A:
**1:58**
